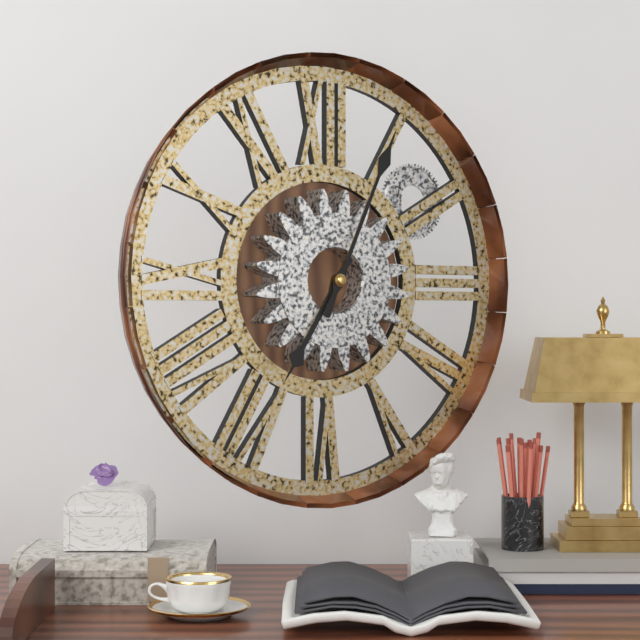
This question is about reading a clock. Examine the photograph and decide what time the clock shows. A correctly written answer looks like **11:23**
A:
**7:04**
